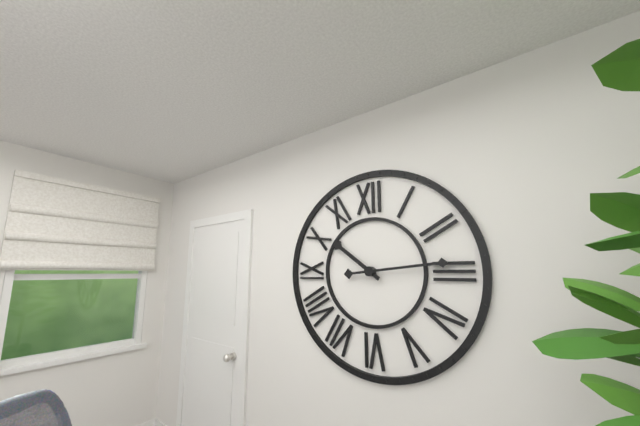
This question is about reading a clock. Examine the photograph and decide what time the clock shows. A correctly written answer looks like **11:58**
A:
**10:14**
